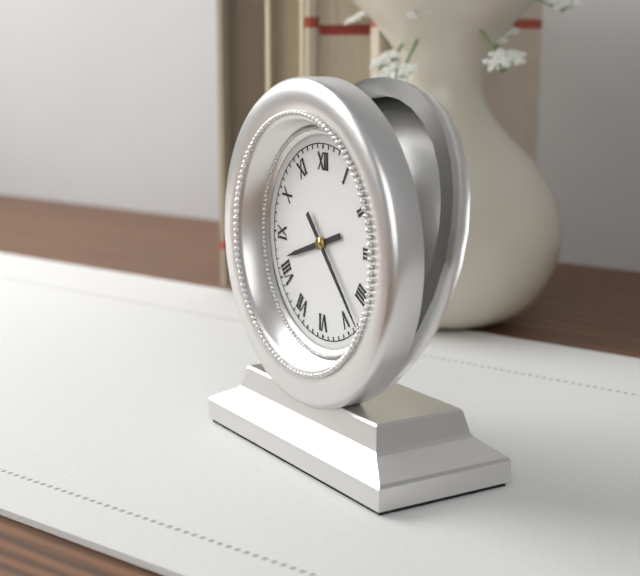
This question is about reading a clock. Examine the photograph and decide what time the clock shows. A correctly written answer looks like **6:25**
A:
**8:23**
